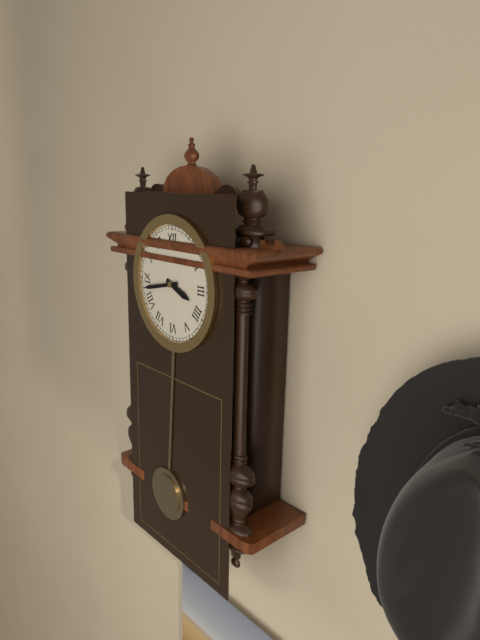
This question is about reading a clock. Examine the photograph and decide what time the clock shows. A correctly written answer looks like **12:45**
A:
**3:43**
